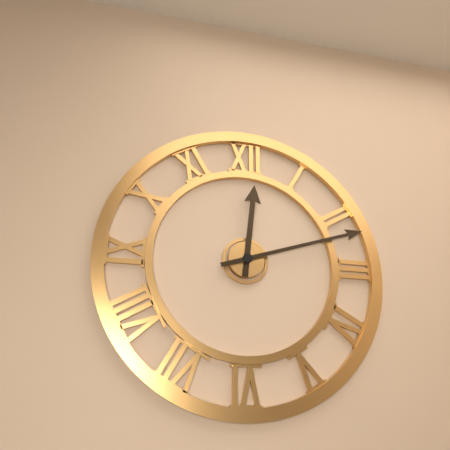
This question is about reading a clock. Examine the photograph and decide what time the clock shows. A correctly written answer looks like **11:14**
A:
**12:12**
